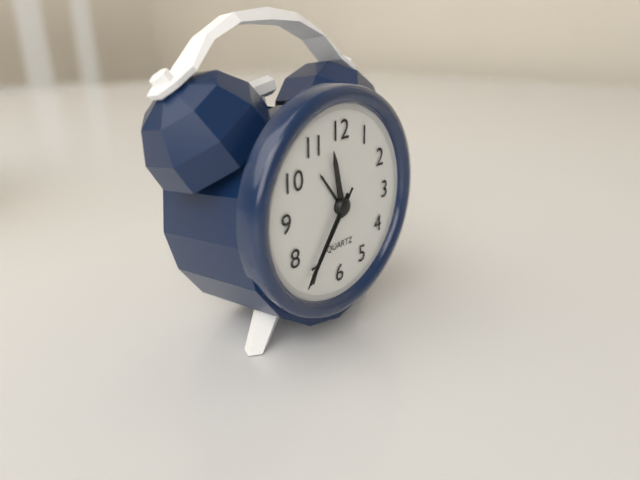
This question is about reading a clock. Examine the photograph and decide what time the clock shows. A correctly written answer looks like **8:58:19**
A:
**11:36:36**
